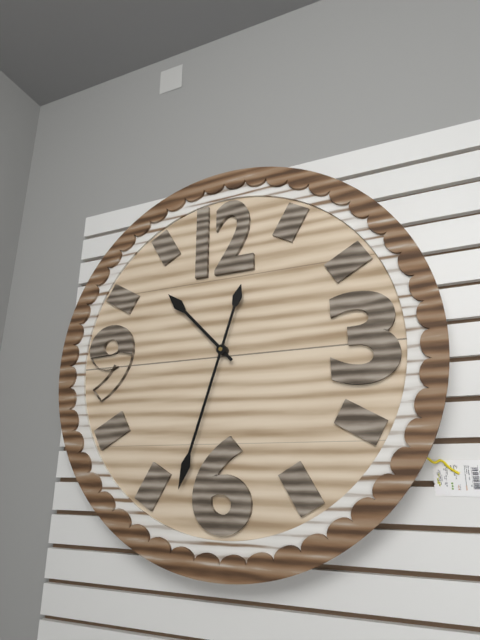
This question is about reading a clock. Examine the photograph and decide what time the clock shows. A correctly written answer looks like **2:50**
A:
**10:33**
